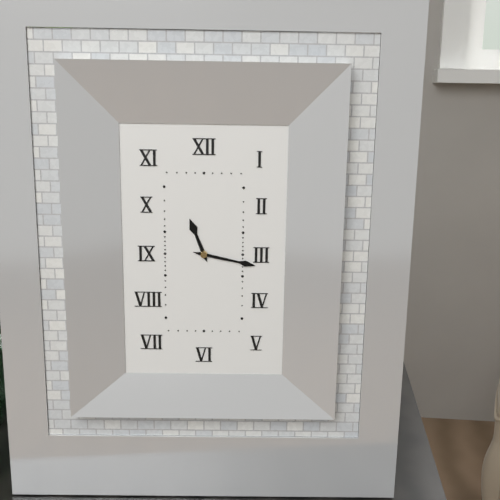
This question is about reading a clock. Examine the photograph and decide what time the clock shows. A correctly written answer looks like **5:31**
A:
**11:17**
